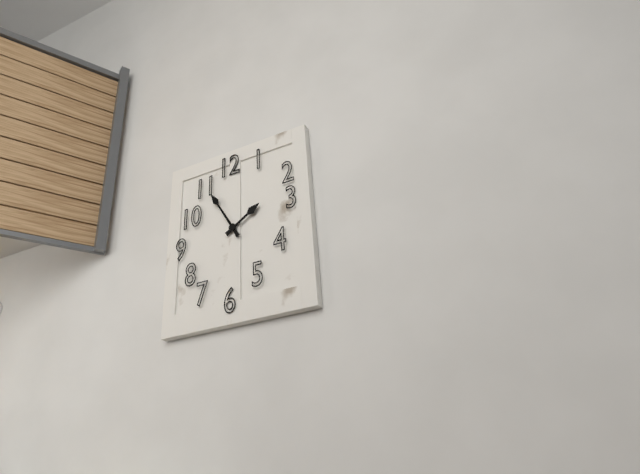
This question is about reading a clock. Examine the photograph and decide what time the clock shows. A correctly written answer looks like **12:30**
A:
**1:55**
